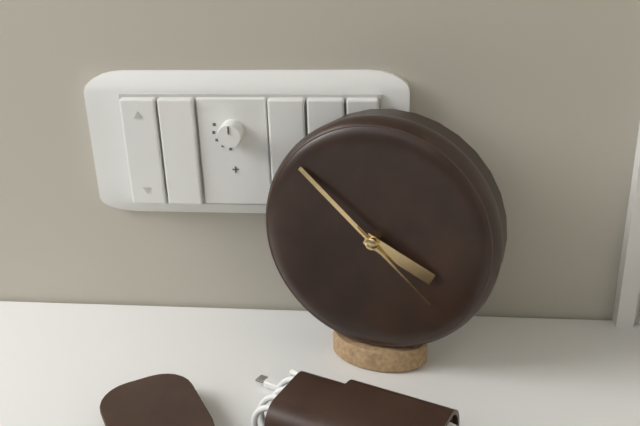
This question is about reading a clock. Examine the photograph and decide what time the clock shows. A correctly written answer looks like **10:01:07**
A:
**3:52:22**
